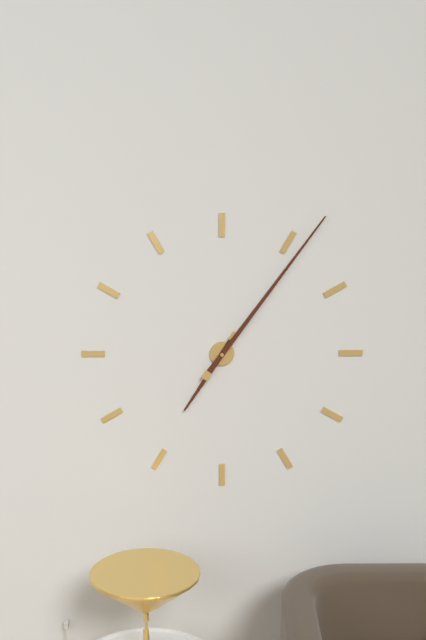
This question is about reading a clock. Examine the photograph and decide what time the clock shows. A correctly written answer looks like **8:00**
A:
**7:06**
